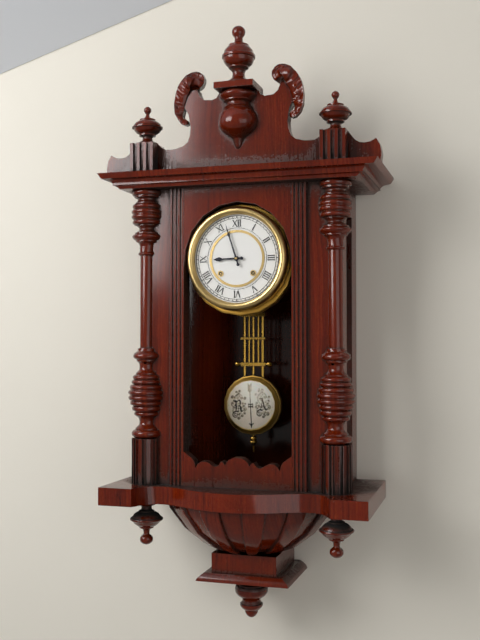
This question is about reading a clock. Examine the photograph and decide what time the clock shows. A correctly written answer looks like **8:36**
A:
**8:57**
